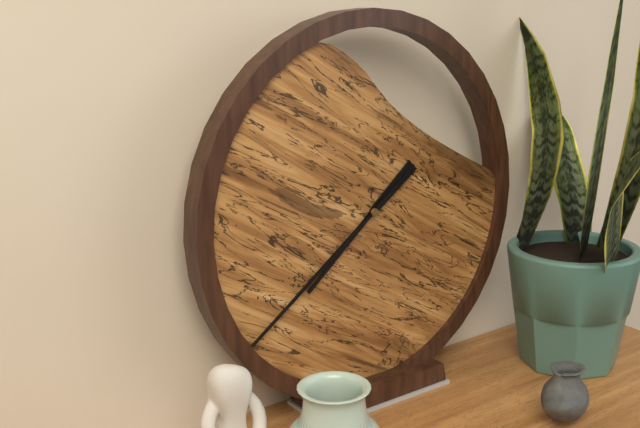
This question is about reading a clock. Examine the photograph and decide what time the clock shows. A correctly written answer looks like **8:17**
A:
**7:39**
